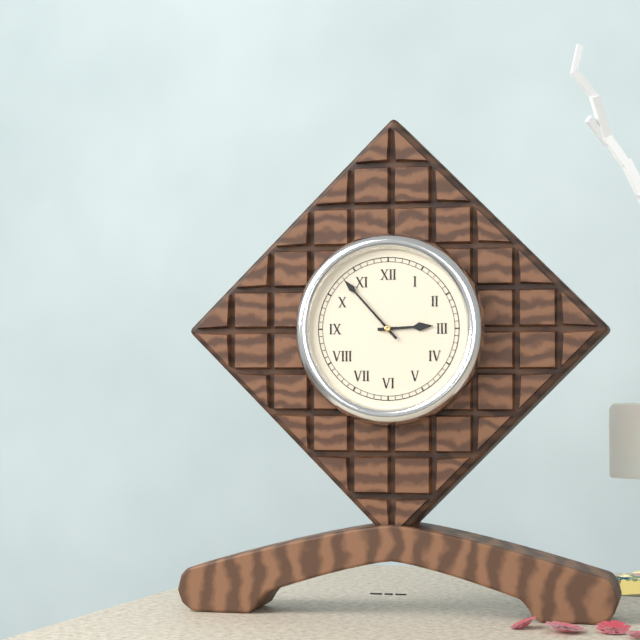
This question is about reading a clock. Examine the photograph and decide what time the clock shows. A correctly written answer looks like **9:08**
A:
**2:53**
